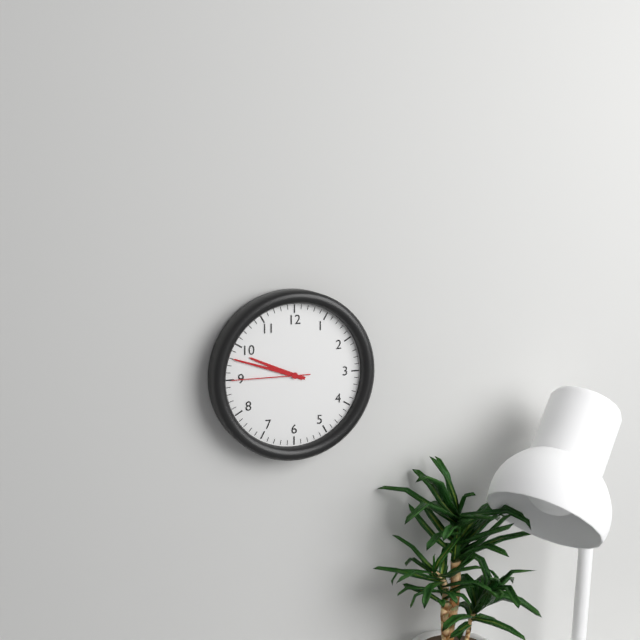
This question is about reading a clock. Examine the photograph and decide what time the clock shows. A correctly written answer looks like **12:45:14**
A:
**9:48:45**
